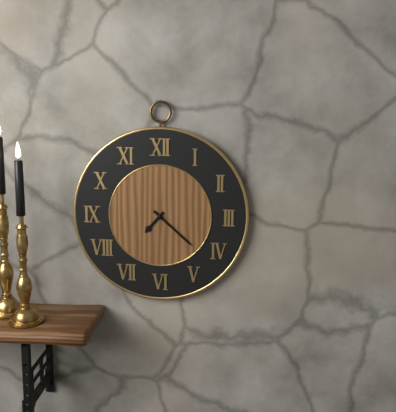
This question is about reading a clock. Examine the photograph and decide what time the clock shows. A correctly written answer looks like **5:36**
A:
**7:22**
